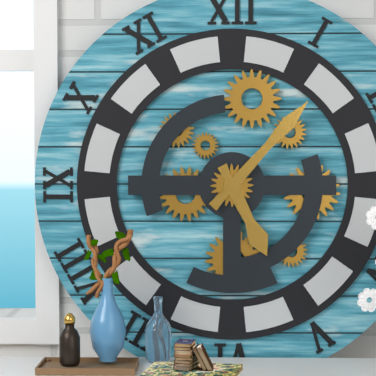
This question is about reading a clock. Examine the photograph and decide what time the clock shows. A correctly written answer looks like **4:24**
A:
**5:07**
